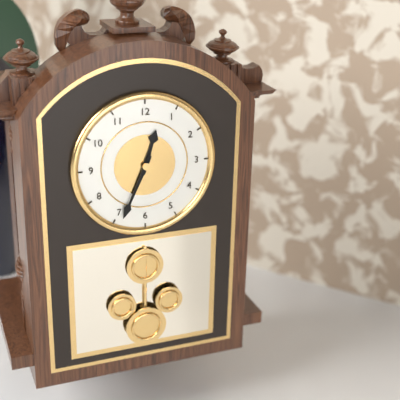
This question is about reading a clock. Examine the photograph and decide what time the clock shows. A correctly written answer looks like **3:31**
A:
**12:34**
